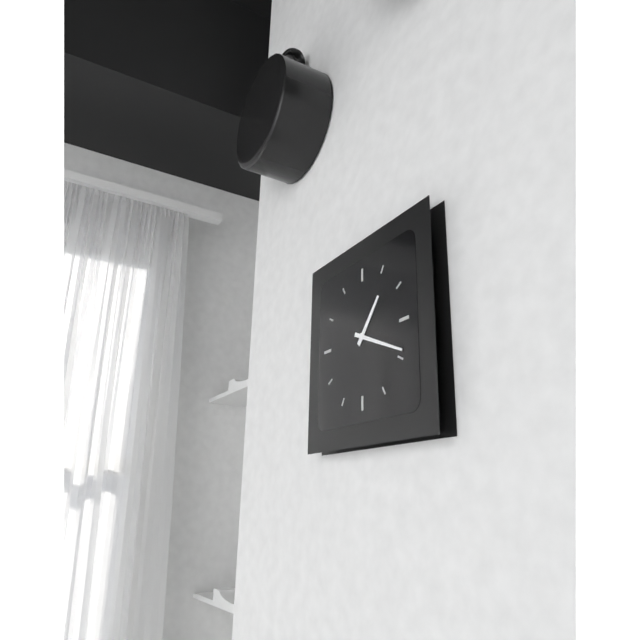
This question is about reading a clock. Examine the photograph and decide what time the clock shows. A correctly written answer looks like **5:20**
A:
**1:19**
